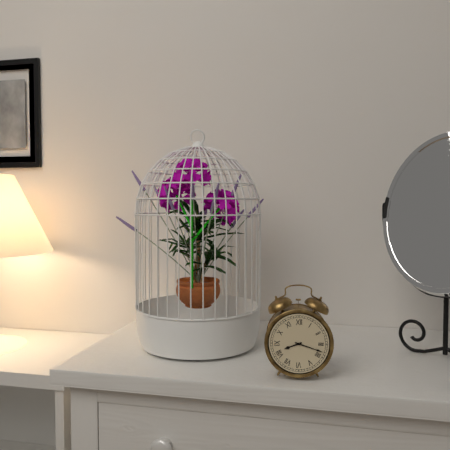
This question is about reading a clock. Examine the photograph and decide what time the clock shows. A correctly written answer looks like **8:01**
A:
**8:18**
